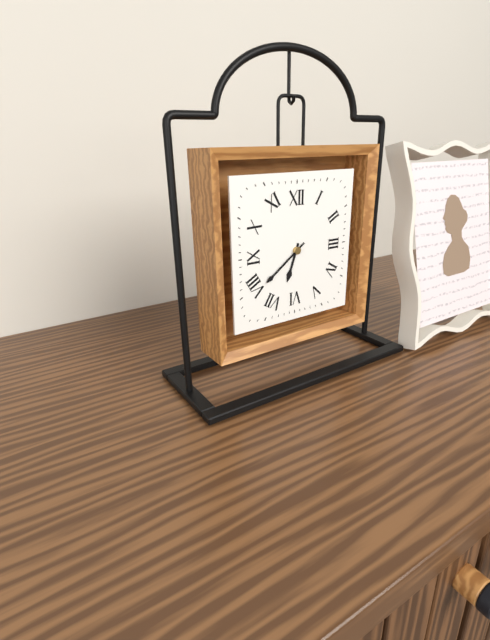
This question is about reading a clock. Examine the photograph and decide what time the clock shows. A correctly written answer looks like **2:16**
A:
**6:39**
